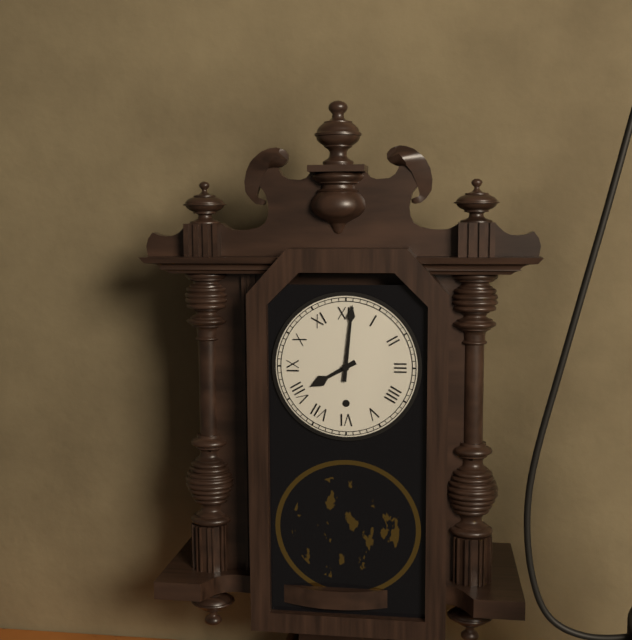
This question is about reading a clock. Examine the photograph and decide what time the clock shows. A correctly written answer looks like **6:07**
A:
**8:01**
